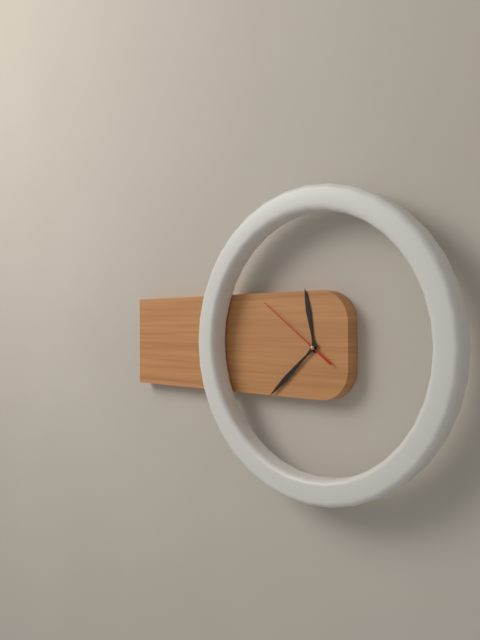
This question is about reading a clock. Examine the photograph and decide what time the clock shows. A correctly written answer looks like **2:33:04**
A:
**11:38:51**
